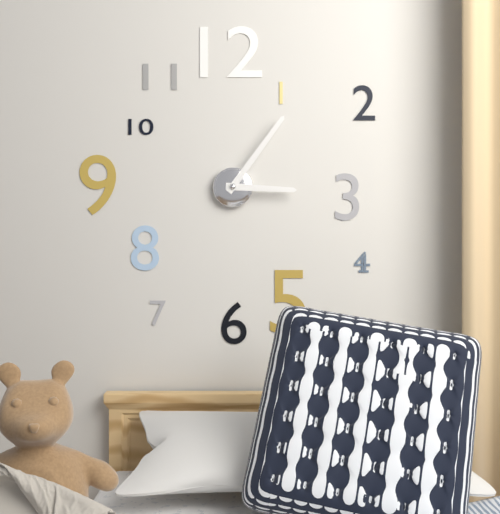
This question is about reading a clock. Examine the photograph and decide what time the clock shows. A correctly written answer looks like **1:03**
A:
**3:06**
